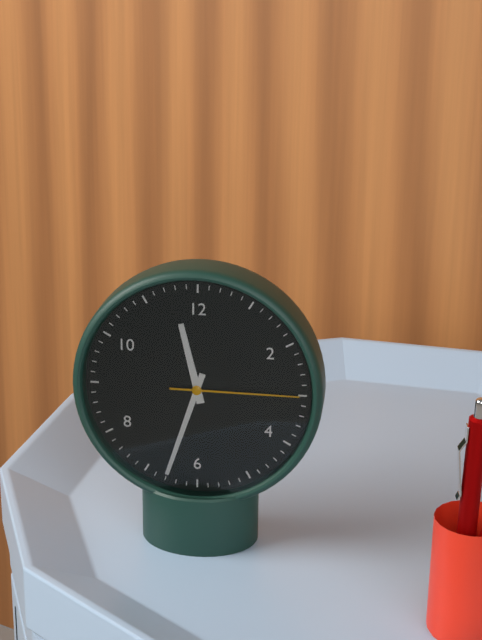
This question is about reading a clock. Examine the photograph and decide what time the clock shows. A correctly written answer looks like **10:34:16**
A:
**11:33:15**
